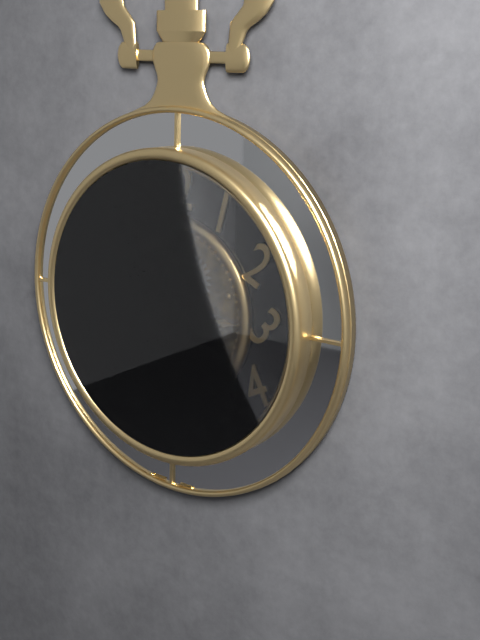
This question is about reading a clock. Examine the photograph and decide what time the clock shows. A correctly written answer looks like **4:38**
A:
**2:59**
